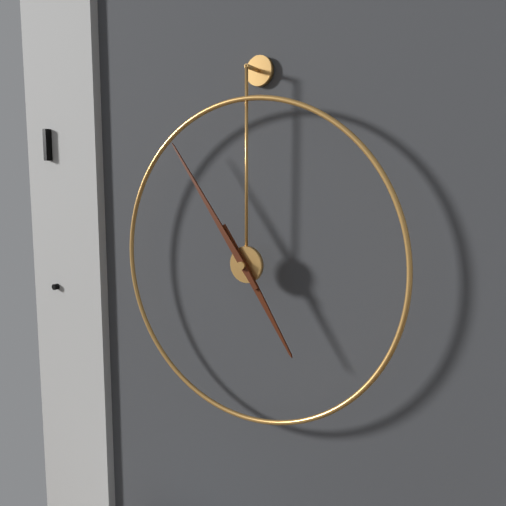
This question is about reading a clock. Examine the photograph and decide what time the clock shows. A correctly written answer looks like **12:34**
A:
**4:54**
